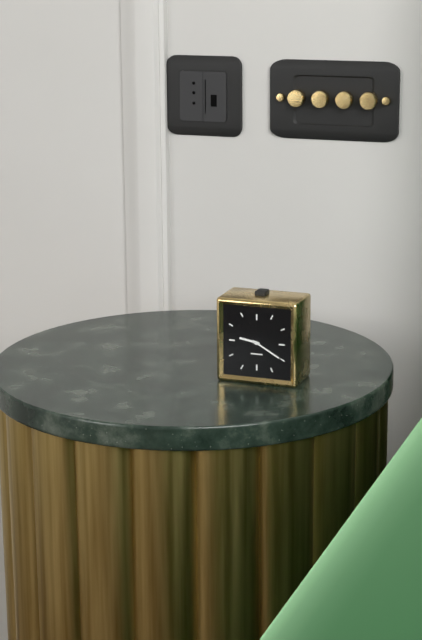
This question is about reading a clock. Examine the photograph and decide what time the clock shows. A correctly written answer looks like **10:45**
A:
**9:20**
